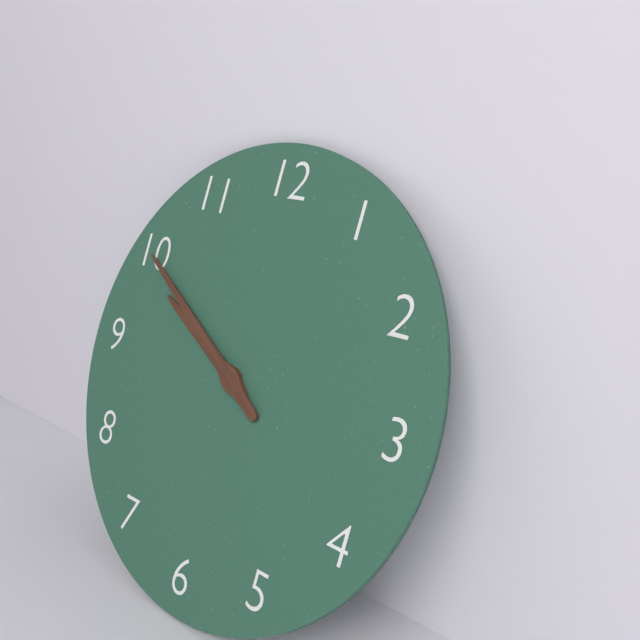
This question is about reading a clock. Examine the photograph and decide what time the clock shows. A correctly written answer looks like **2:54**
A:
**9:50**
